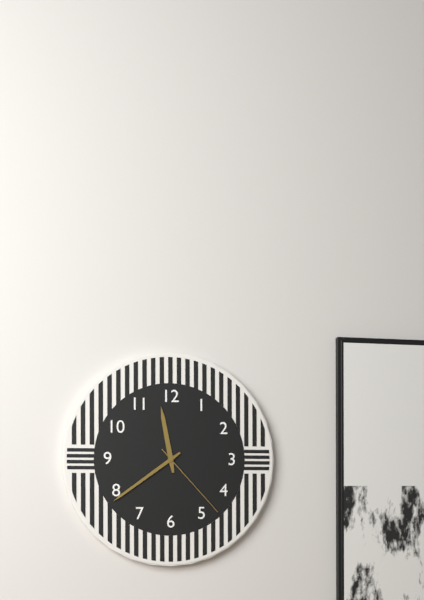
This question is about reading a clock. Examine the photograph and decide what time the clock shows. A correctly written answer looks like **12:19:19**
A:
**11:39:23**
